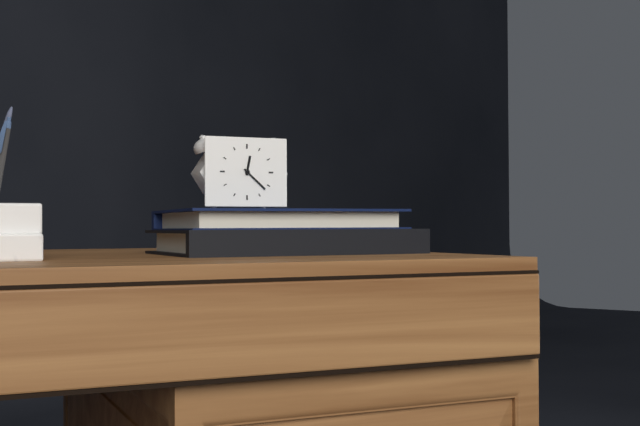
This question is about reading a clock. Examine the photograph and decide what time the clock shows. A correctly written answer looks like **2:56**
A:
**12:22**
